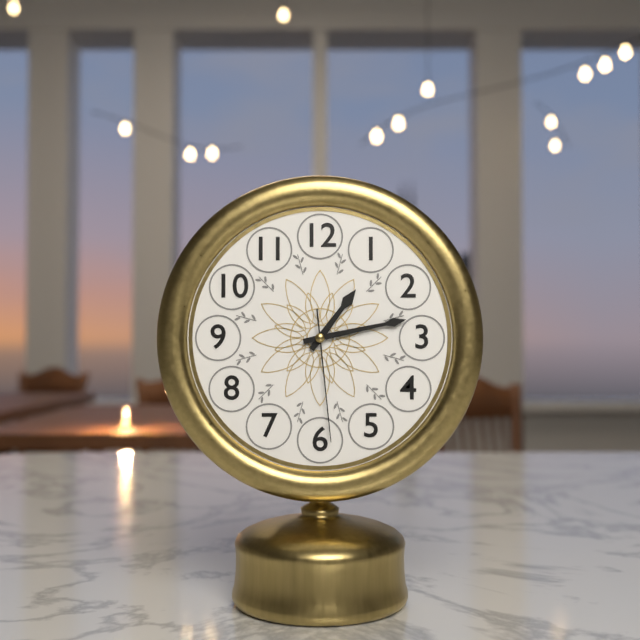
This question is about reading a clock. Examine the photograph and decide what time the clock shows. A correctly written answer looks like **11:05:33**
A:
**1:13:29**
